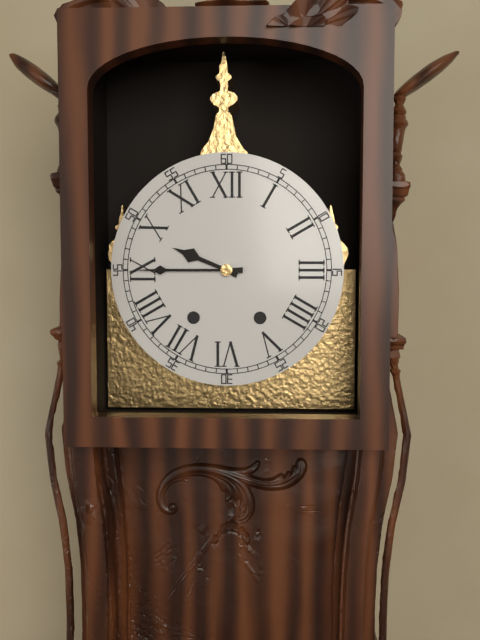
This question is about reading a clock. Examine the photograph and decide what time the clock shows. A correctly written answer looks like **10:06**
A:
**9:45**
